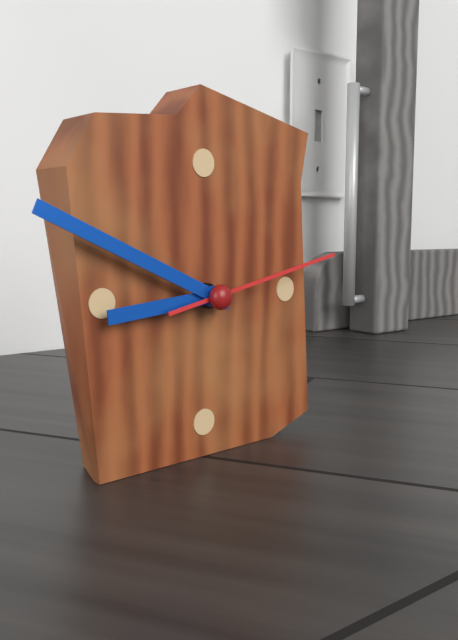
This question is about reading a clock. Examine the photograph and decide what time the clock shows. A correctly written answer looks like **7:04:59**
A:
**8:49:13**
